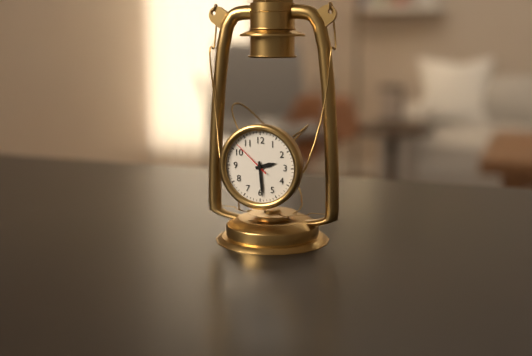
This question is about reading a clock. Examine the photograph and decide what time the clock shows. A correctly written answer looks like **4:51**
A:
**2:29**
